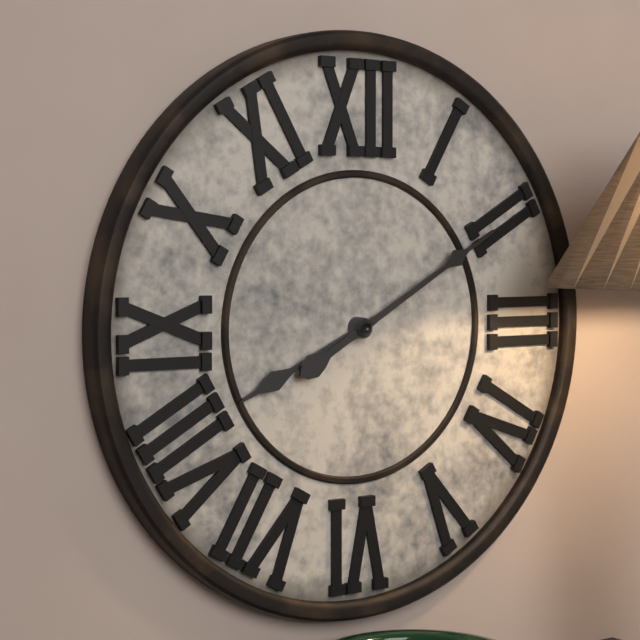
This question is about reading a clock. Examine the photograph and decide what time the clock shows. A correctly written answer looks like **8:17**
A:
**8:10**
